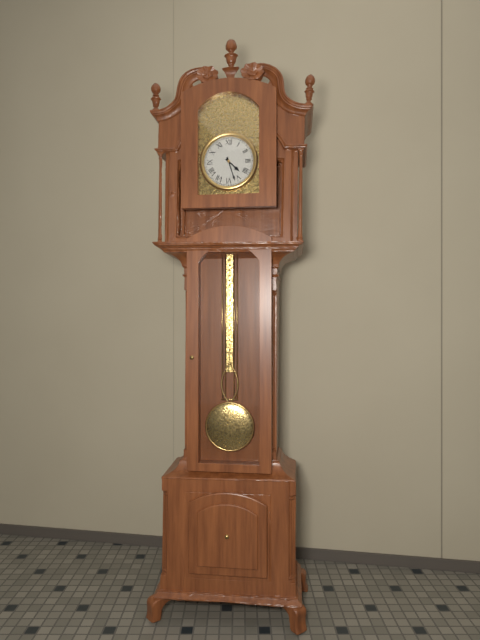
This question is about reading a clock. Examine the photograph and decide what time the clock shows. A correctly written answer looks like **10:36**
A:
**4:27**
